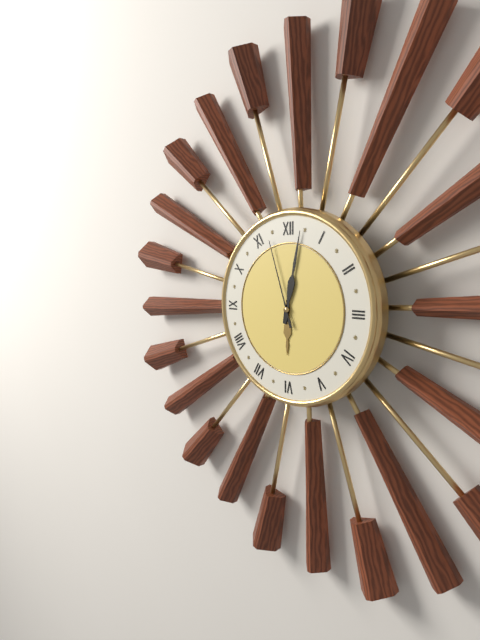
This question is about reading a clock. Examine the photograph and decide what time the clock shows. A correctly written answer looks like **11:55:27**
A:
**6:02:57**
